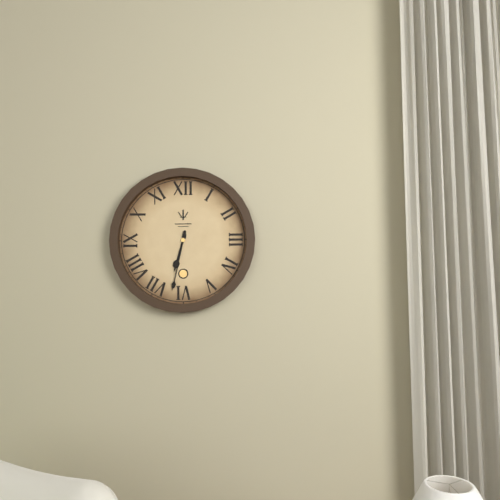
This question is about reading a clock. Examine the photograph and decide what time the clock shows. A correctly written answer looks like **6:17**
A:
**6:32**
